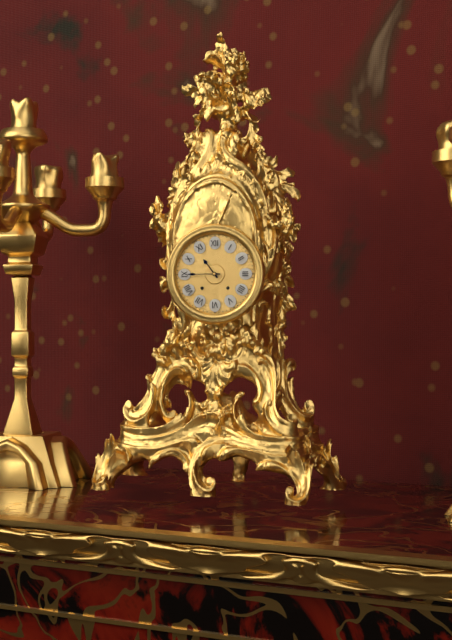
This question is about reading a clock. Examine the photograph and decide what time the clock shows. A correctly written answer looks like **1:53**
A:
**10:45**
